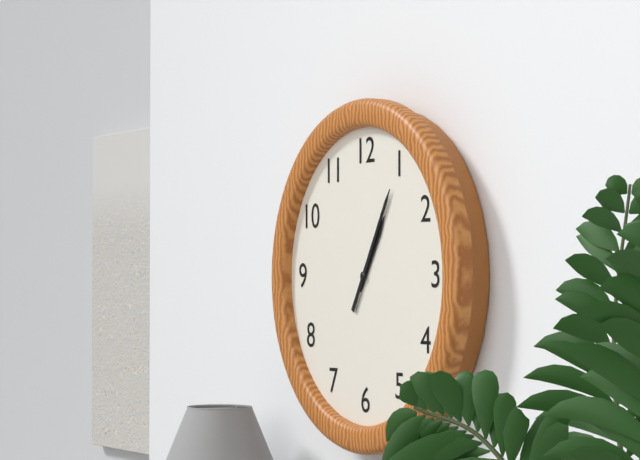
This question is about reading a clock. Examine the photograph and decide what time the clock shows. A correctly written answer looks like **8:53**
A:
**1:05**
